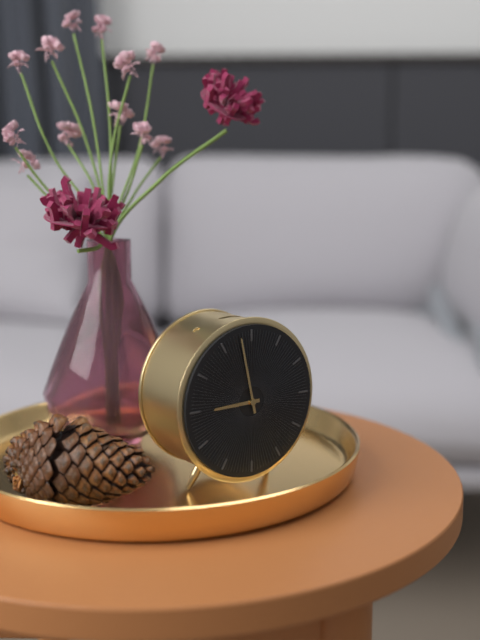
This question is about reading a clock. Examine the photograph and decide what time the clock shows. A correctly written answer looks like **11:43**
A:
**8:58**
